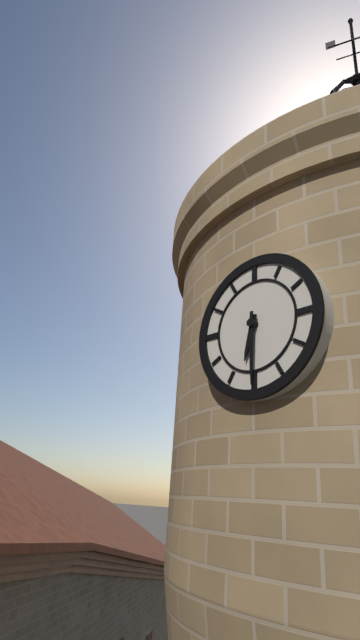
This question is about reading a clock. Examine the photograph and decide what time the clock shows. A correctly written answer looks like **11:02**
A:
**6:30**
